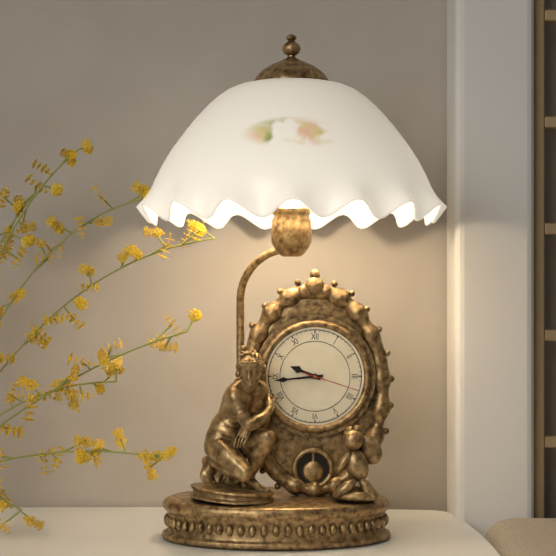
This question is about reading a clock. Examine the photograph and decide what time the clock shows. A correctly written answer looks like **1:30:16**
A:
**9:44:18**
